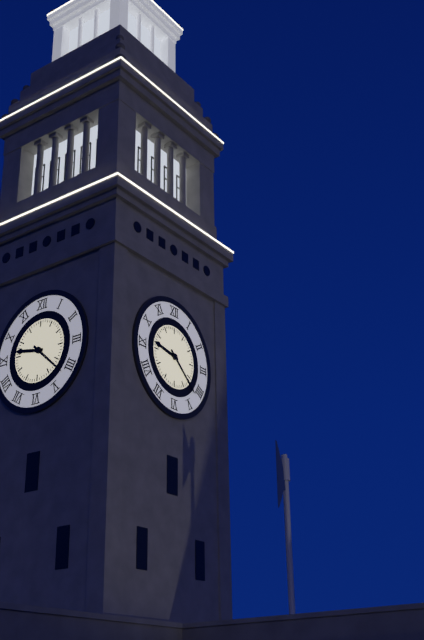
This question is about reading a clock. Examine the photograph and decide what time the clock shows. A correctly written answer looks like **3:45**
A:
**9:22**
